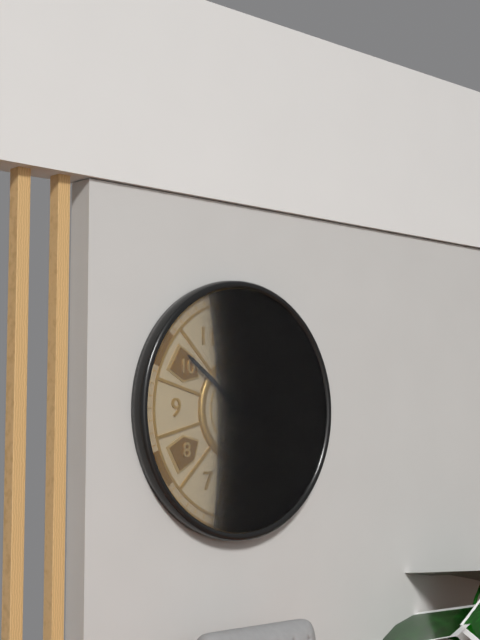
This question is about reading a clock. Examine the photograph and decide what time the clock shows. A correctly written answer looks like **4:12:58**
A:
**2:51:30**
